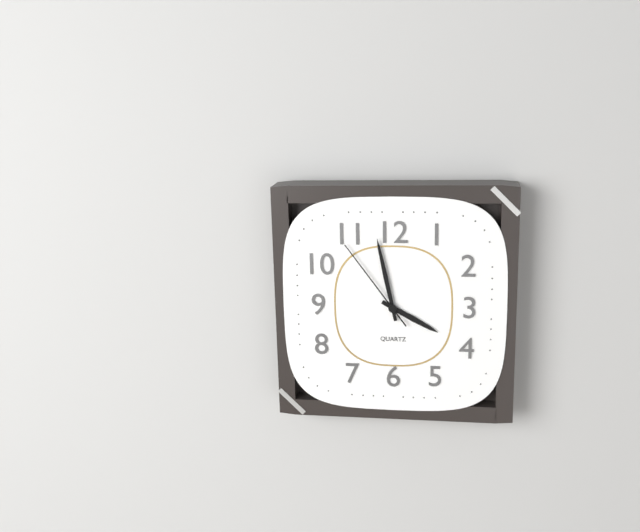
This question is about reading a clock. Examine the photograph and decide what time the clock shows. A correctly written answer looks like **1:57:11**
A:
**3:58:54**
